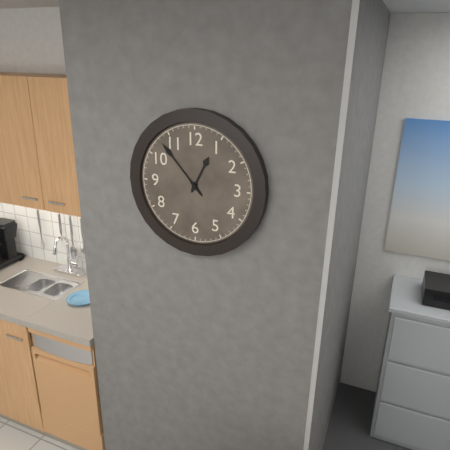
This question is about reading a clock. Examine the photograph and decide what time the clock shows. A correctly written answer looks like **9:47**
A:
**12:53**
